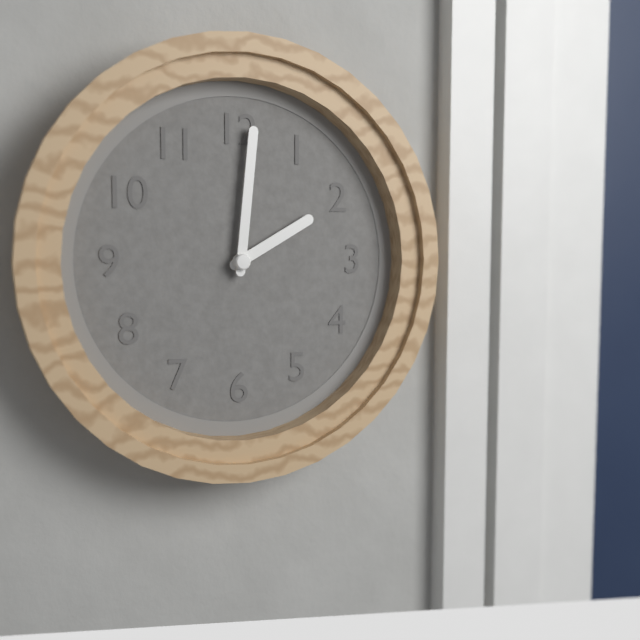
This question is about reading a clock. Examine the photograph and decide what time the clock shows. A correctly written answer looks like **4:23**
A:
**2:01**
